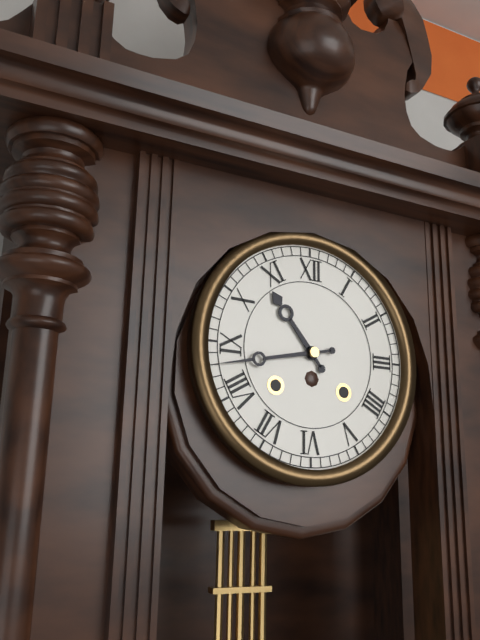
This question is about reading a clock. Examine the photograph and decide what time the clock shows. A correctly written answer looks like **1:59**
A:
**10:43**
